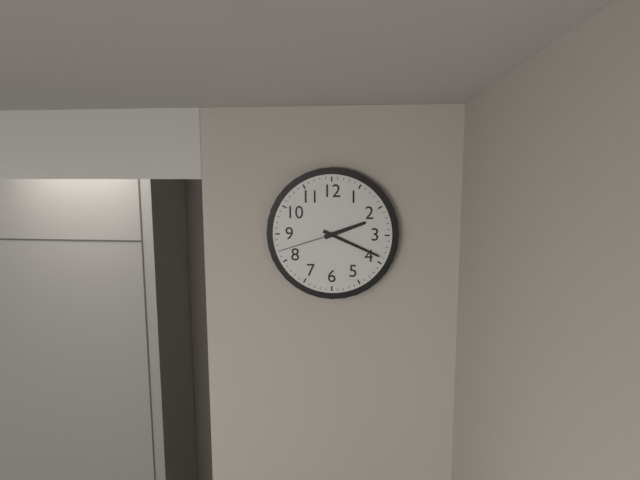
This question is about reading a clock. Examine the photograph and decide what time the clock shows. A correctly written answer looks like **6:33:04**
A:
**2:19:42**
